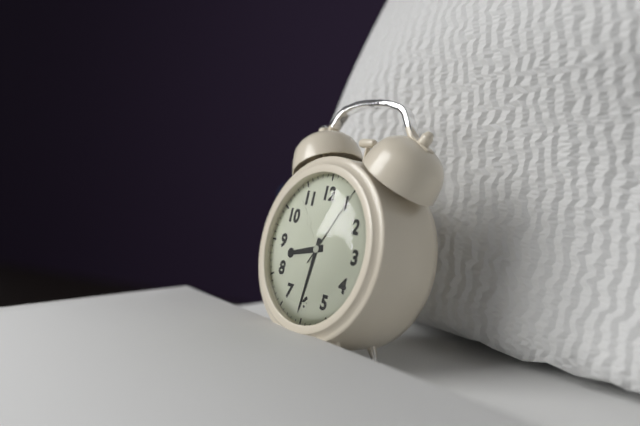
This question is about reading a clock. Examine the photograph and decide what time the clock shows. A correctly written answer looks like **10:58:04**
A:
**8:31:05**
